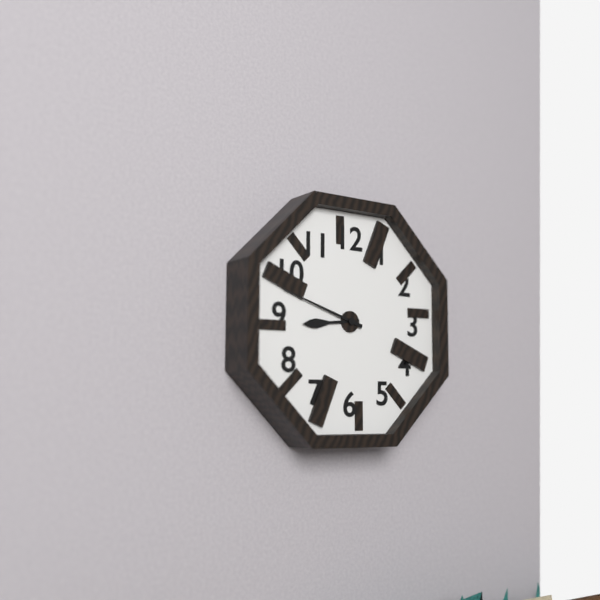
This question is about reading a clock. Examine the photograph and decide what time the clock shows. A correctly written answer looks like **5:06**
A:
**8:48**
